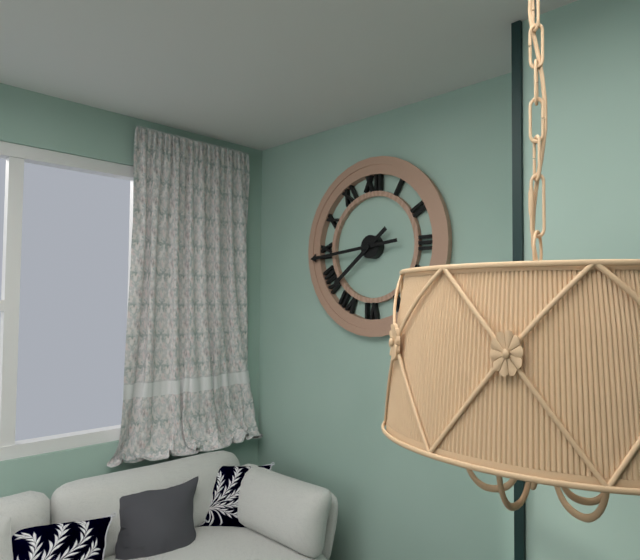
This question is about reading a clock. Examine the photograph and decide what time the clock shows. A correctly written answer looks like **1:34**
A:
**7:44**
